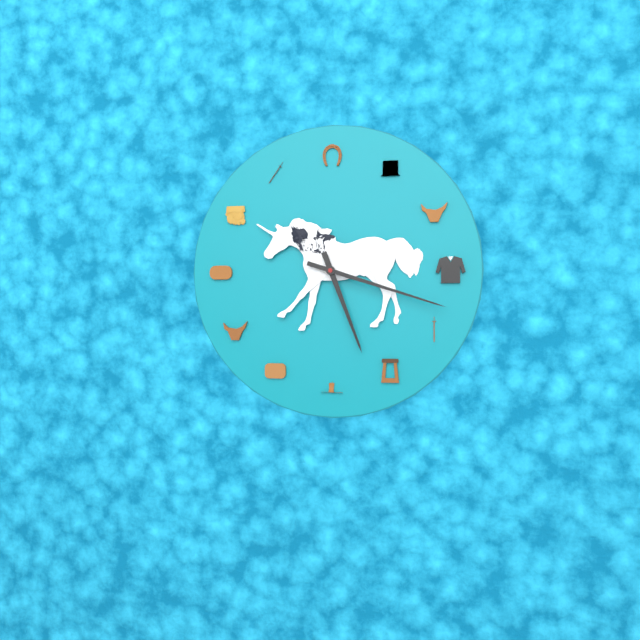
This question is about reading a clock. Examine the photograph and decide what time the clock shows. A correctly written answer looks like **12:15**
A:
**5:18**
